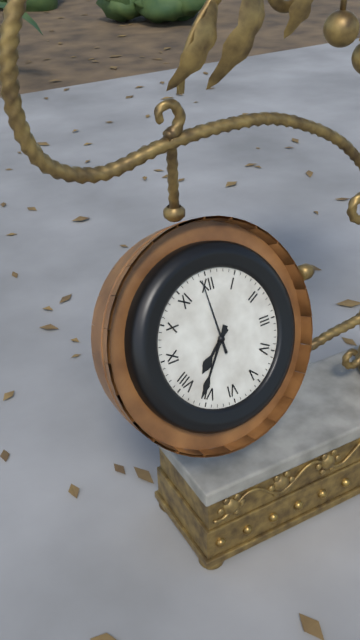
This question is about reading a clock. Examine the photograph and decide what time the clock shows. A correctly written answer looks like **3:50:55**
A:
**7:36:59**
